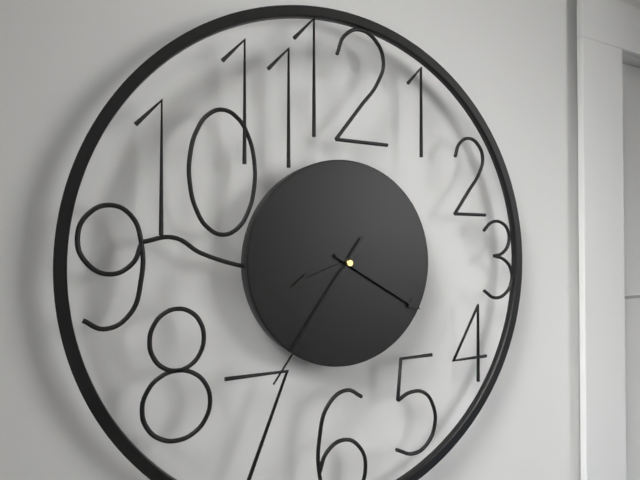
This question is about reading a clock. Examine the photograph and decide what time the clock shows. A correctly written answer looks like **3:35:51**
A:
**8:20:36**
